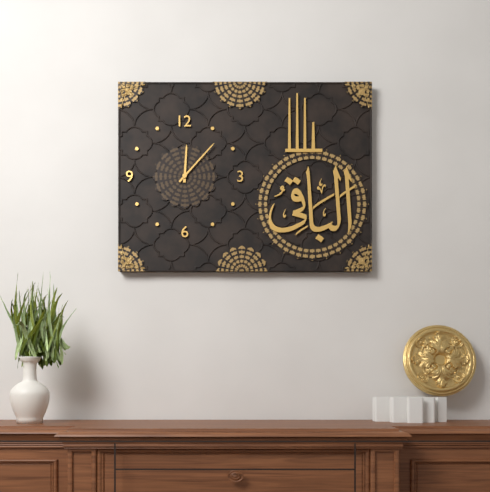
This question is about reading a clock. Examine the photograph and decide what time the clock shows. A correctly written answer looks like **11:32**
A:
**12:07**
